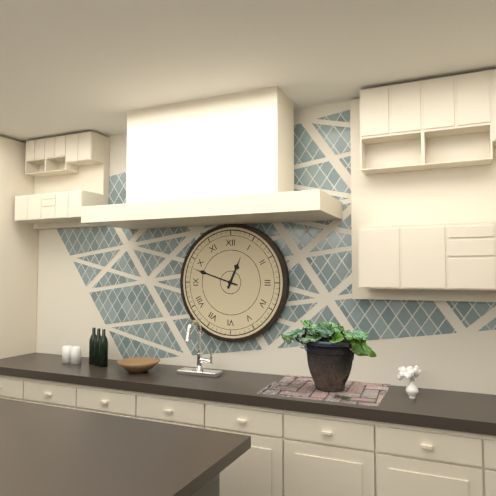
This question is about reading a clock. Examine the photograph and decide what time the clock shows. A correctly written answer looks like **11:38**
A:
**12:48**
